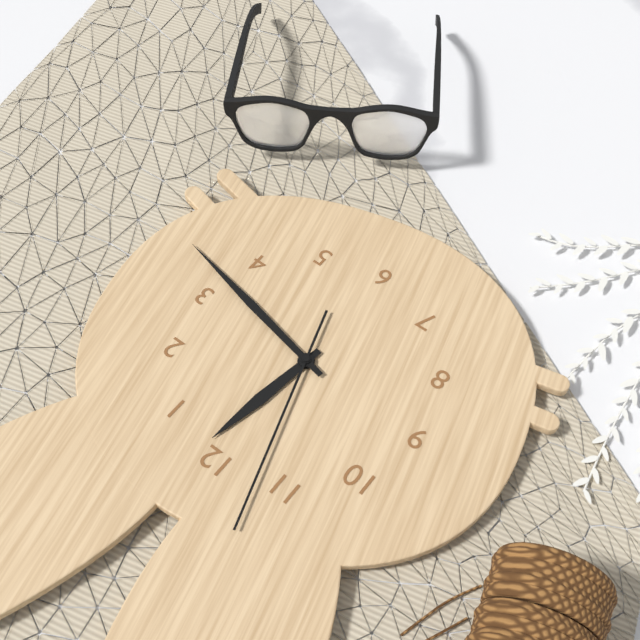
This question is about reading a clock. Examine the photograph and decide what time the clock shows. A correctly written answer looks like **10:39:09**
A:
**12:17:57**
